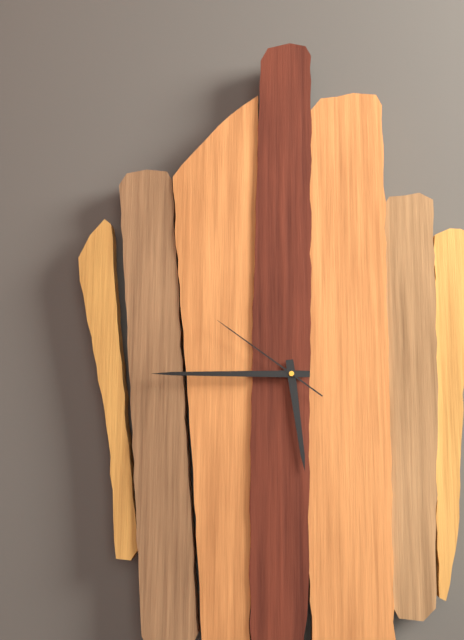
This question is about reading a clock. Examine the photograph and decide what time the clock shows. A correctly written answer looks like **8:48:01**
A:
**5:45:51**
